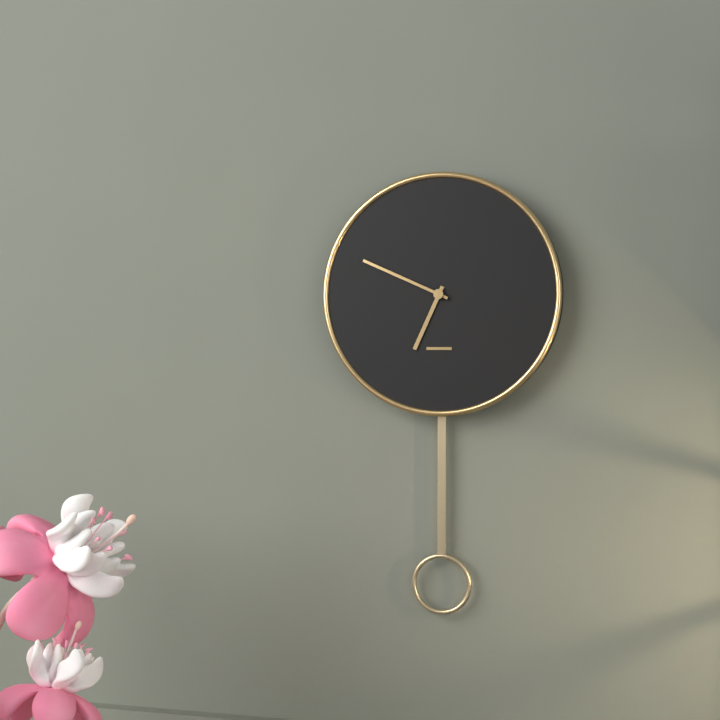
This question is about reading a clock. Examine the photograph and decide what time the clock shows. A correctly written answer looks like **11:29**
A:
**6:49**
